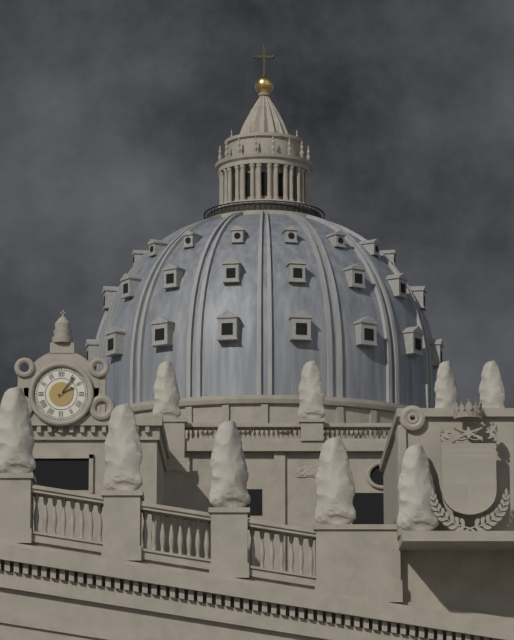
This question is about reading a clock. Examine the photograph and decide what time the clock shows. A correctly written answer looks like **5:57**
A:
**2:06**
